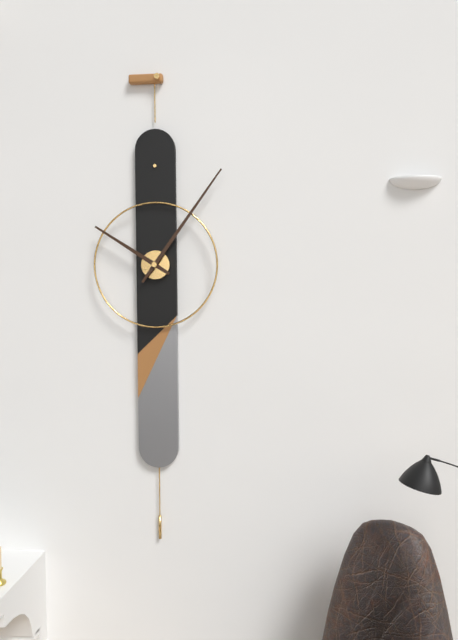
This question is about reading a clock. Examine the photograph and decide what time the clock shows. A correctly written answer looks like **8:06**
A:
**10:06**
